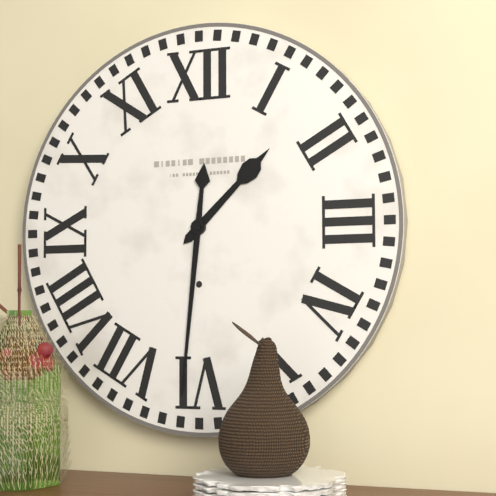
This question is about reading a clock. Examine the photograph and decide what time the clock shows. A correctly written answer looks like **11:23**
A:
**1:31**
